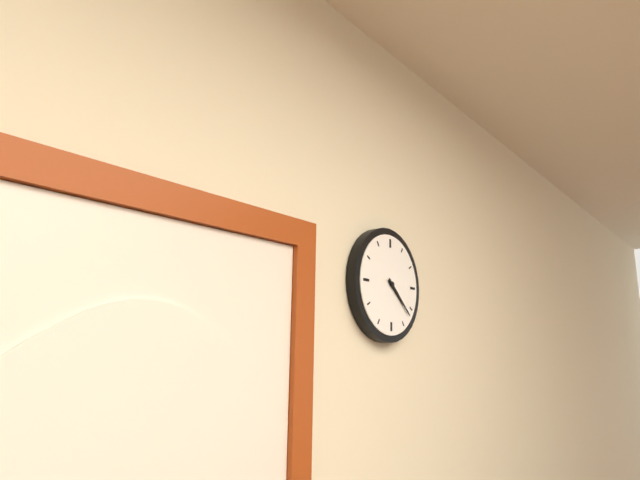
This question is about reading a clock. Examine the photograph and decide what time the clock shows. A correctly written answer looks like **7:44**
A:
**4:22**
